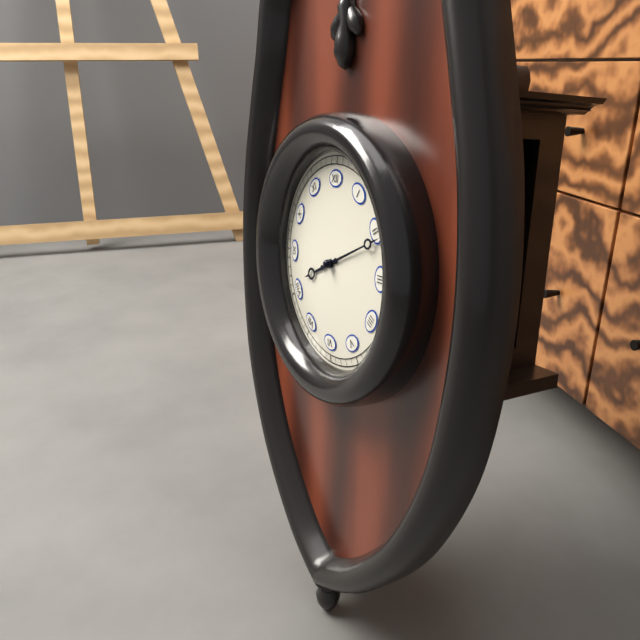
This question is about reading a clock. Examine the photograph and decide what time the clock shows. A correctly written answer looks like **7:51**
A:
**8:11**
